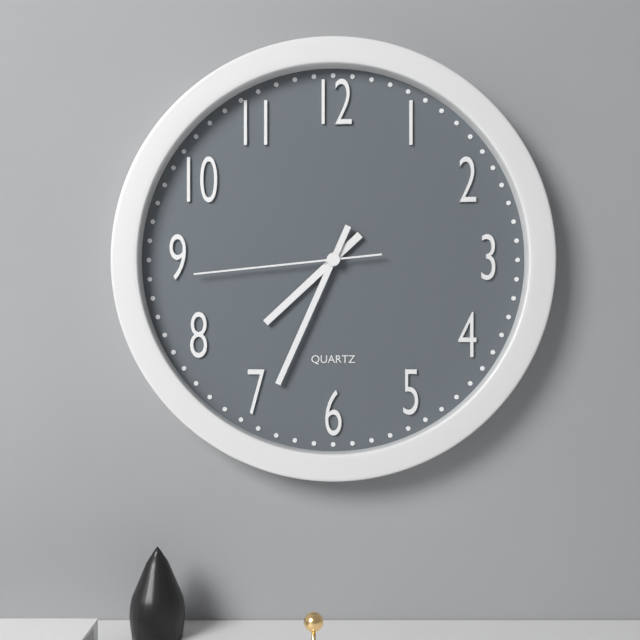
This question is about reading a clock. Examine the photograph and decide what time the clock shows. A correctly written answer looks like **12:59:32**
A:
**7:34:44**
